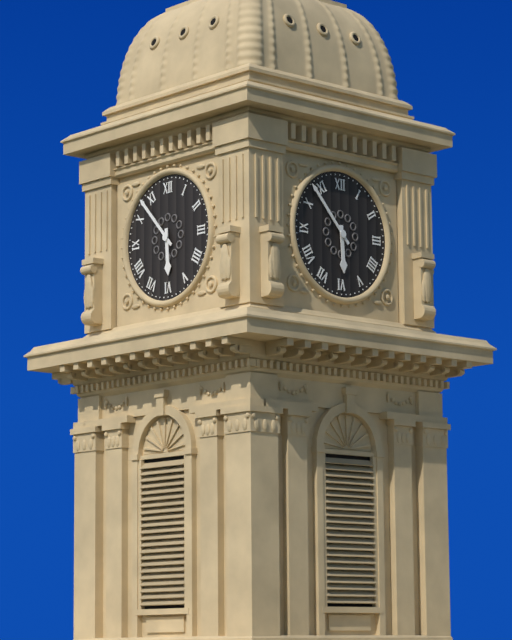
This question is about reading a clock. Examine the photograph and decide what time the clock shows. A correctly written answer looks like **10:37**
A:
**5:53**
